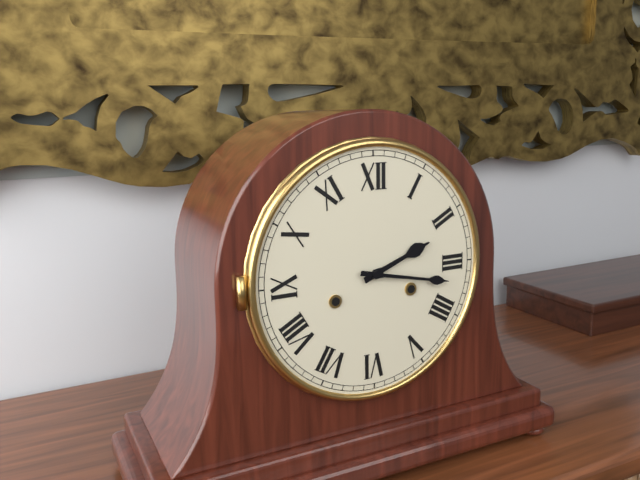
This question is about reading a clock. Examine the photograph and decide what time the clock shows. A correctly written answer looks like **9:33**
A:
**2:17**
